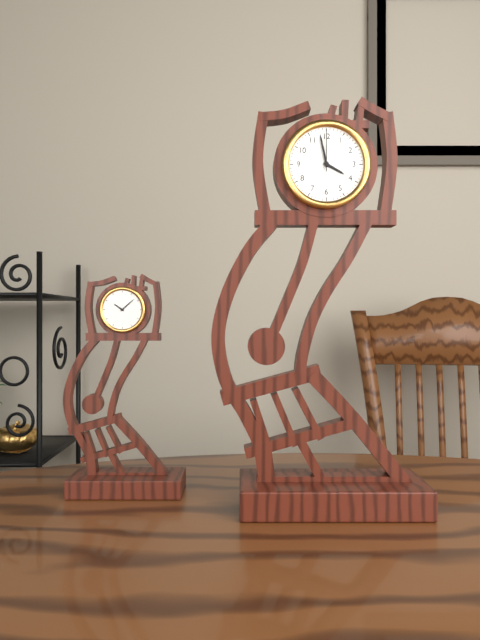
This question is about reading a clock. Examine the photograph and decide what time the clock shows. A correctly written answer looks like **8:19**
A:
**3:58**
